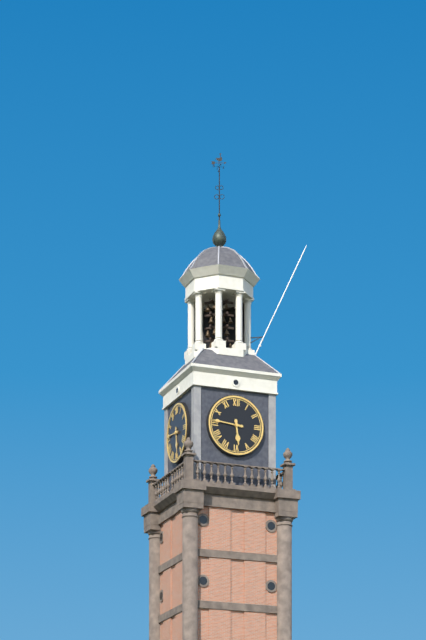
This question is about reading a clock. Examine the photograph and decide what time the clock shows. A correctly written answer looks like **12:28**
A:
**5:46**
